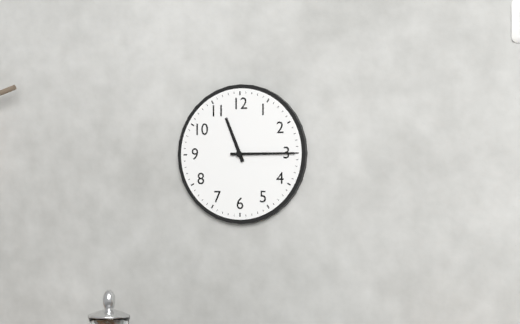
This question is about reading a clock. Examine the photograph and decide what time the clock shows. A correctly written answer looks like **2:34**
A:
**11:15**
